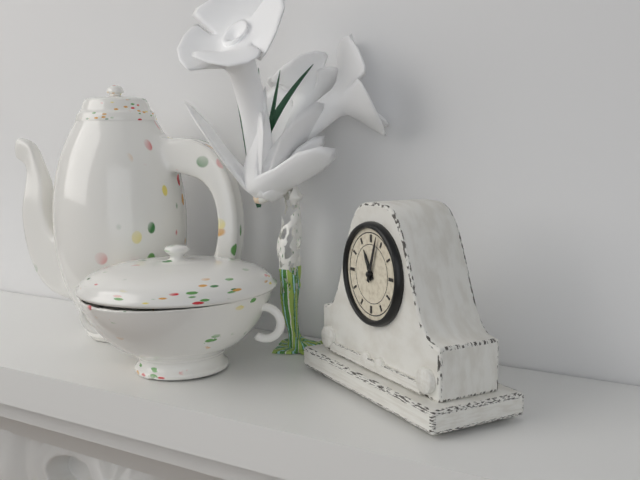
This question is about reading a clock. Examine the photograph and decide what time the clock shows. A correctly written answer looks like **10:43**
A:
**11:03**
